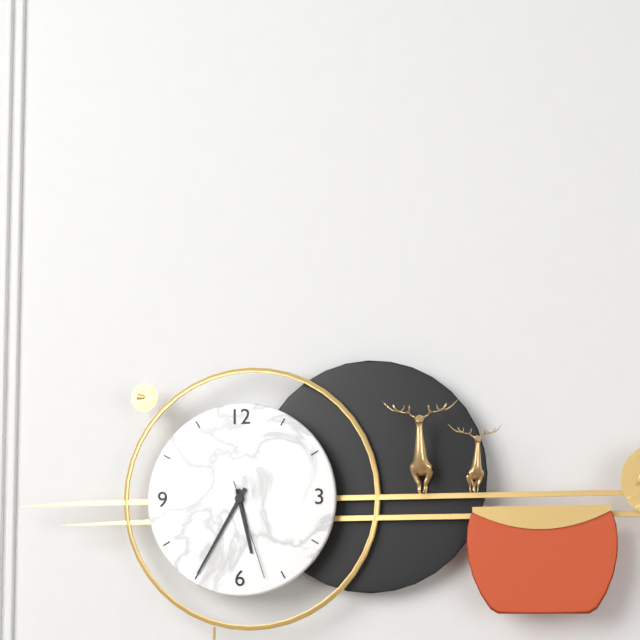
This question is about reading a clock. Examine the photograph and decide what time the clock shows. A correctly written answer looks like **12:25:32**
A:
**5:35:27**
